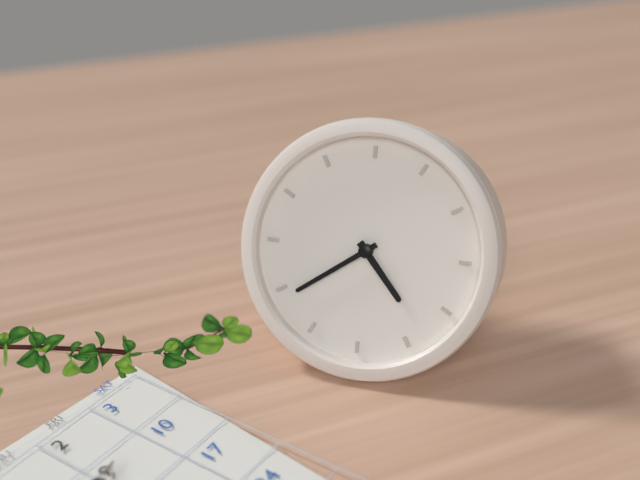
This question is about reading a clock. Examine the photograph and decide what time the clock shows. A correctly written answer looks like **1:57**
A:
**4:39**
